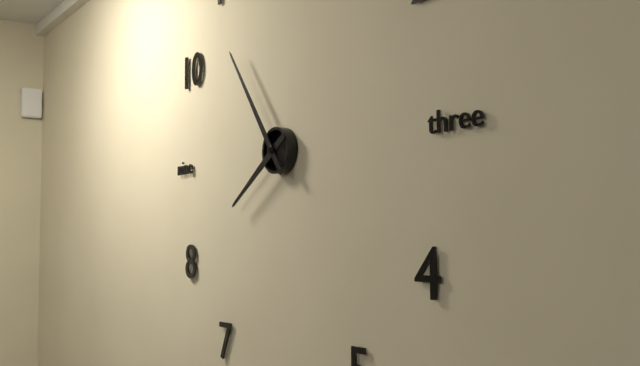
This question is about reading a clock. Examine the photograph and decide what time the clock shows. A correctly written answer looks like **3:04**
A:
**7:54**
